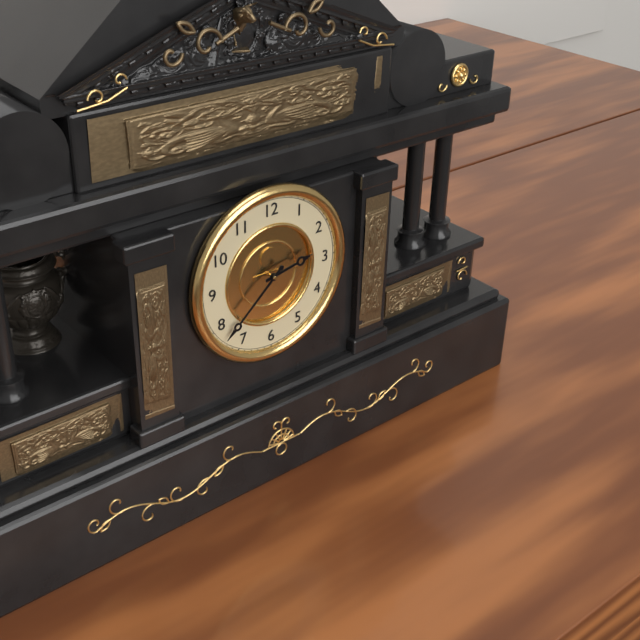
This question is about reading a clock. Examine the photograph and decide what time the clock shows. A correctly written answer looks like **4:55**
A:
**2:38**
